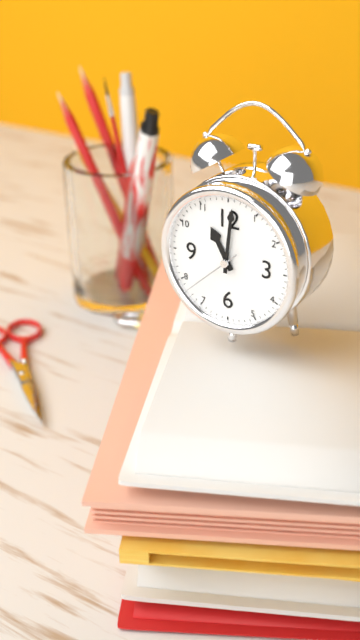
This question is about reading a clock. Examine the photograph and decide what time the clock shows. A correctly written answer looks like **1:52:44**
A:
**11:01:38**
